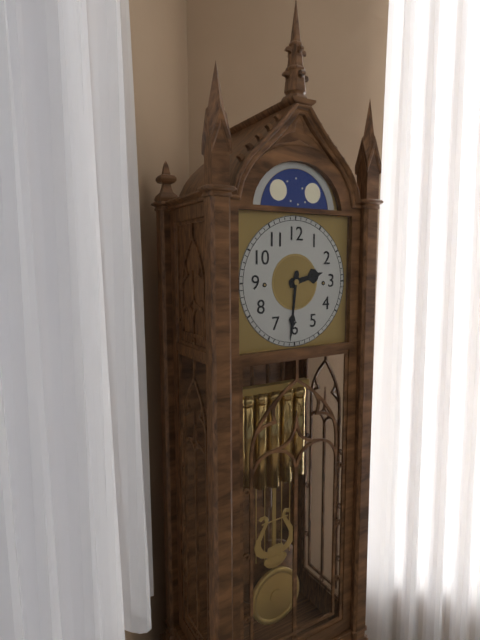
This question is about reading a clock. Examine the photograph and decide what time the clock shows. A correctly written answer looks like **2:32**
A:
**2:31**
